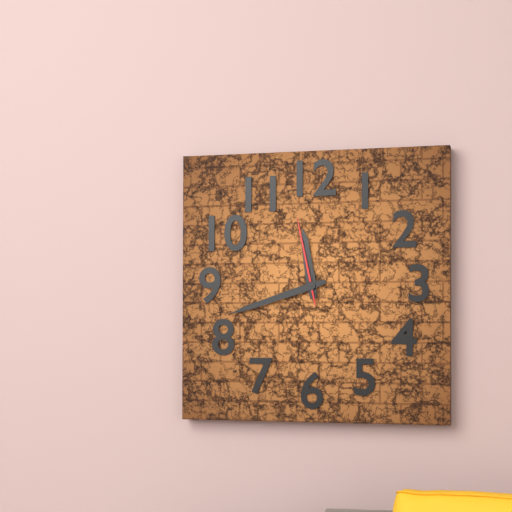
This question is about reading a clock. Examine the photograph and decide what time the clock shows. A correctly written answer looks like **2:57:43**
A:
**11:42:58**
